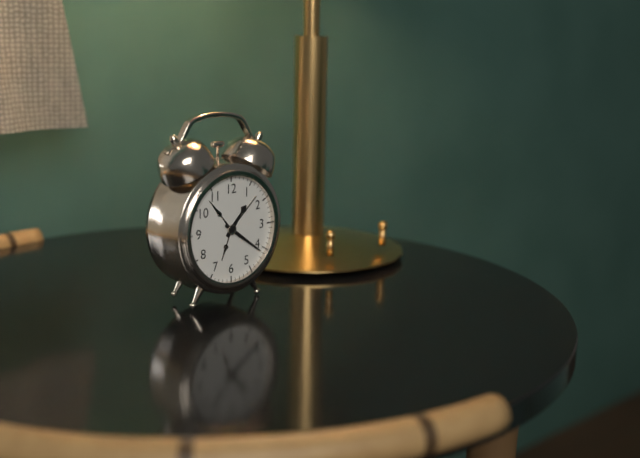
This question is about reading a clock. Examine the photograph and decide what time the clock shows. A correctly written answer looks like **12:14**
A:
**1:21**
